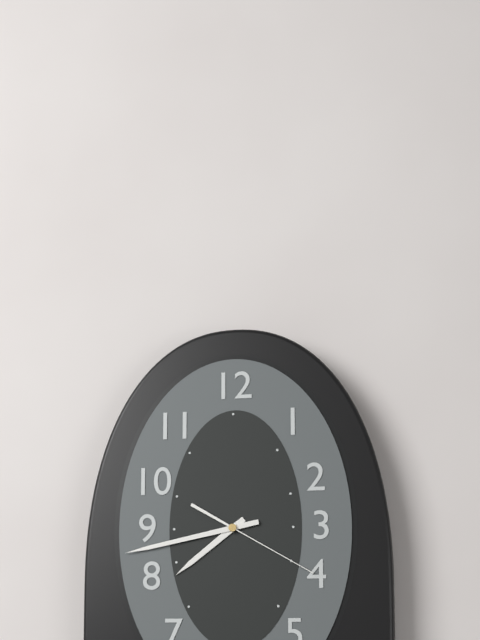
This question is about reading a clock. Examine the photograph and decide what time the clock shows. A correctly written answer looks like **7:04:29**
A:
**7:43:20**
